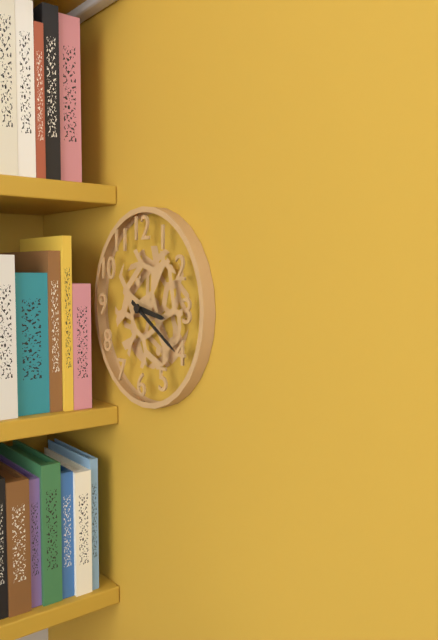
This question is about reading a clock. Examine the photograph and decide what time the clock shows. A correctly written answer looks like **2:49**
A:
**3:20**
